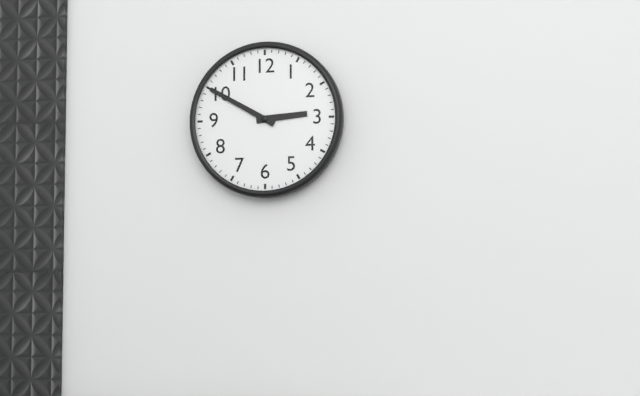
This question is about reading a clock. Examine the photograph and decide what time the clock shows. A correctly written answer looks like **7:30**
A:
**2:50**
